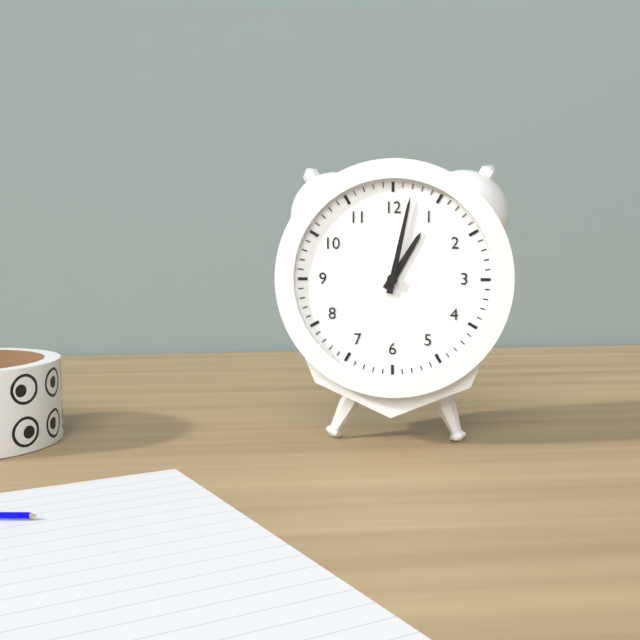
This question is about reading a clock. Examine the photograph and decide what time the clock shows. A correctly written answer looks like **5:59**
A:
**1:02**
